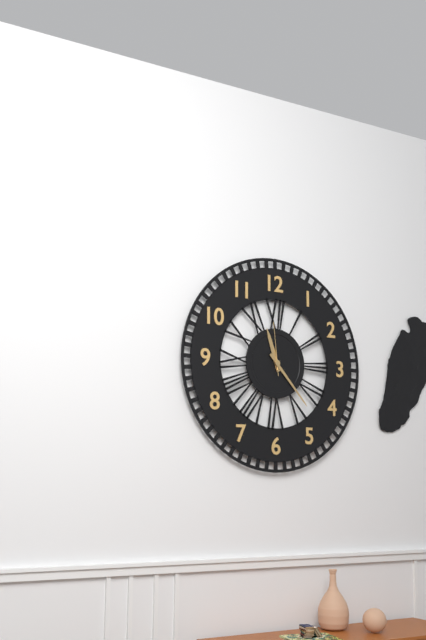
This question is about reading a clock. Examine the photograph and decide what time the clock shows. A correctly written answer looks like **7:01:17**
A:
**11:23:59**
